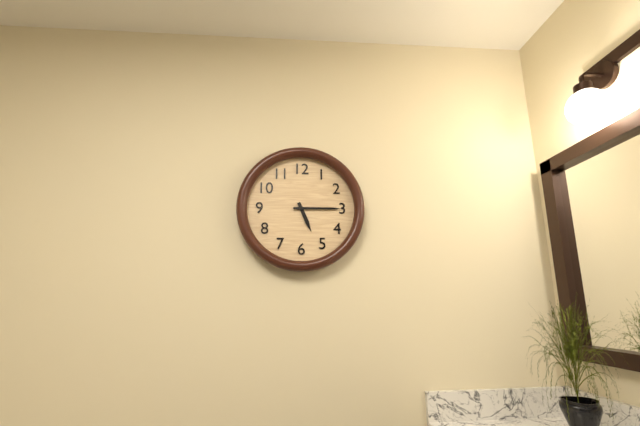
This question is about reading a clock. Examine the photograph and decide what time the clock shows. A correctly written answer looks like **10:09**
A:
**5:15**
